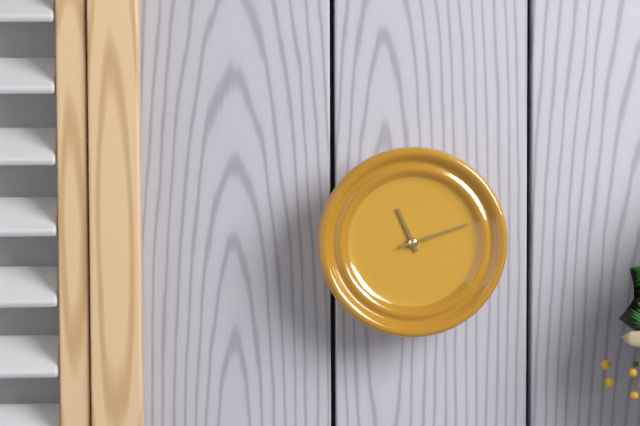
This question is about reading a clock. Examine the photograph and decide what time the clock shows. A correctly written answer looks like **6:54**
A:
**11:12**
